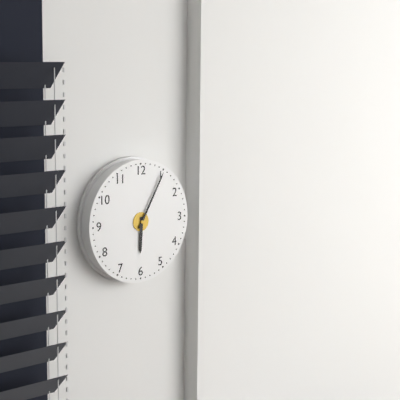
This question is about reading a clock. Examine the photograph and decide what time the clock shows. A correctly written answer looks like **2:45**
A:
**6:05**
